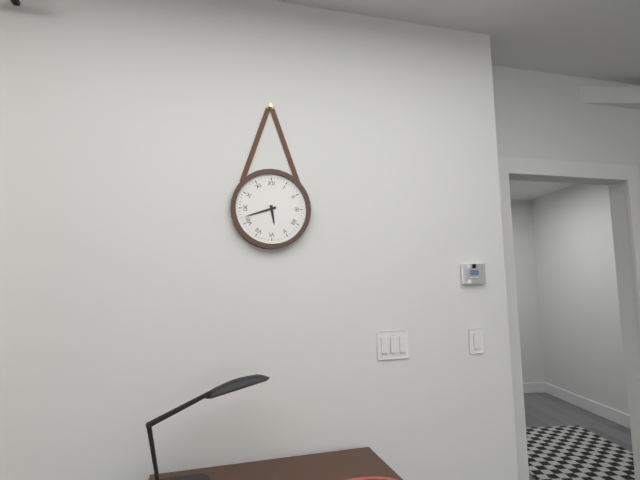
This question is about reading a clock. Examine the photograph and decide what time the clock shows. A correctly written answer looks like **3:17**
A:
**5:42**
